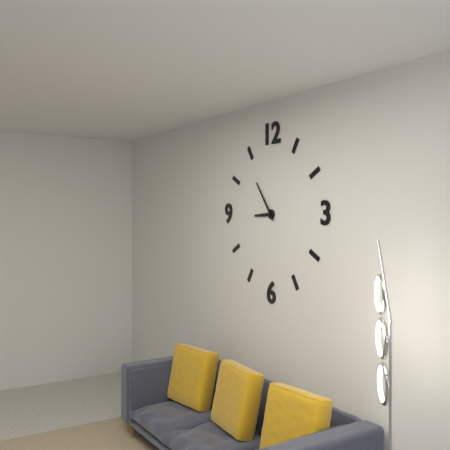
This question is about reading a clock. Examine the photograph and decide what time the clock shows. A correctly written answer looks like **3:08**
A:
**8:54**
